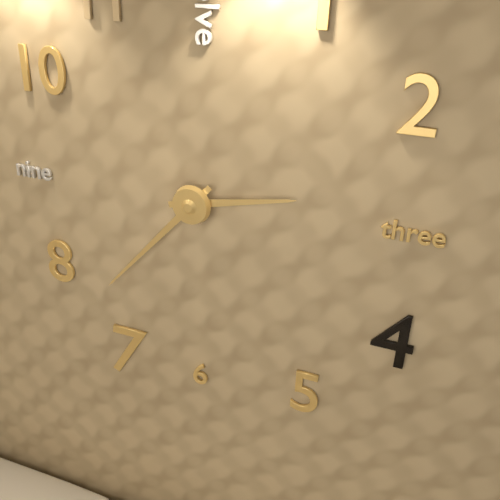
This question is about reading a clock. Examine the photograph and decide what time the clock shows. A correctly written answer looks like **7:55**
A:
**2:37**
